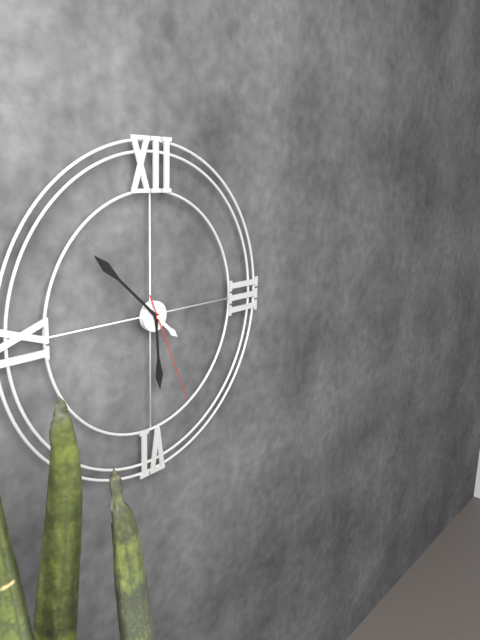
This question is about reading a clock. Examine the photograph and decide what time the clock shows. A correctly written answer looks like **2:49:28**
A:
**5:52:26**
